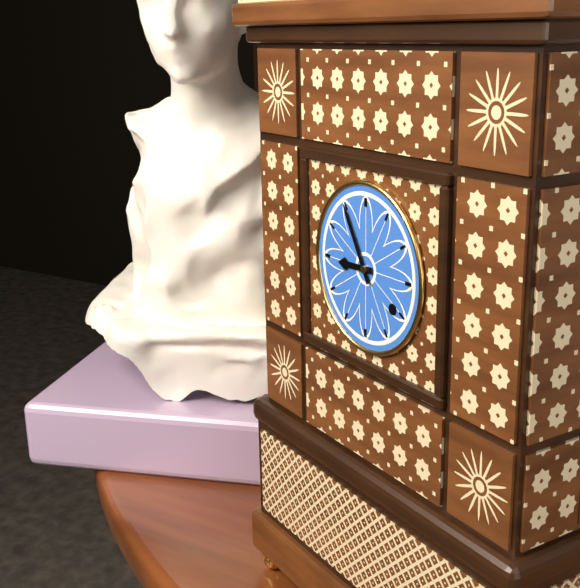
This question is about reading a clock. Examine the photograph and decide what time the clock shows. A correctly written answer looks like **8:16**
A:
**8:55**
